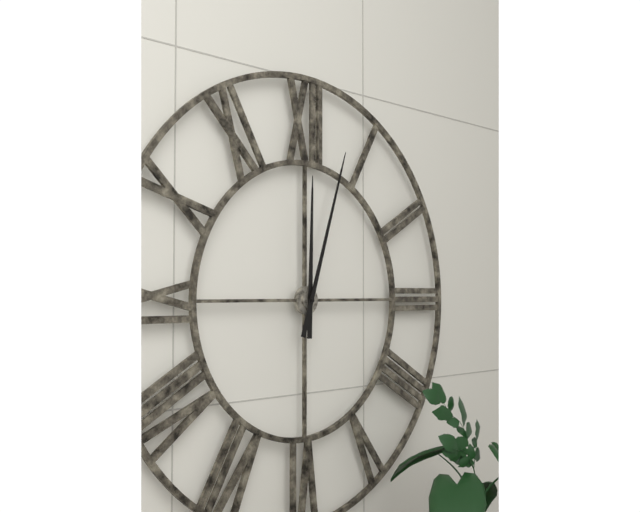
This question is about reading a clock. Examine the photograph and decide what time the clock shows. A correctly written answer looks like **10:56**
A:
**12:03**
